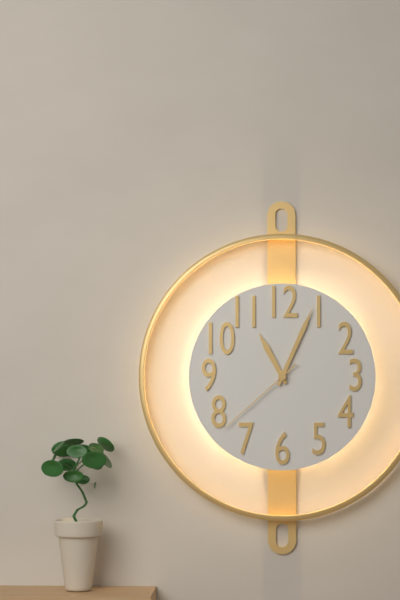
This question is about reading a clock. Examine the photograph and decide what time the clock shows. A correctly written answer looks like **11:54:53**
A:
**11:04:38**
